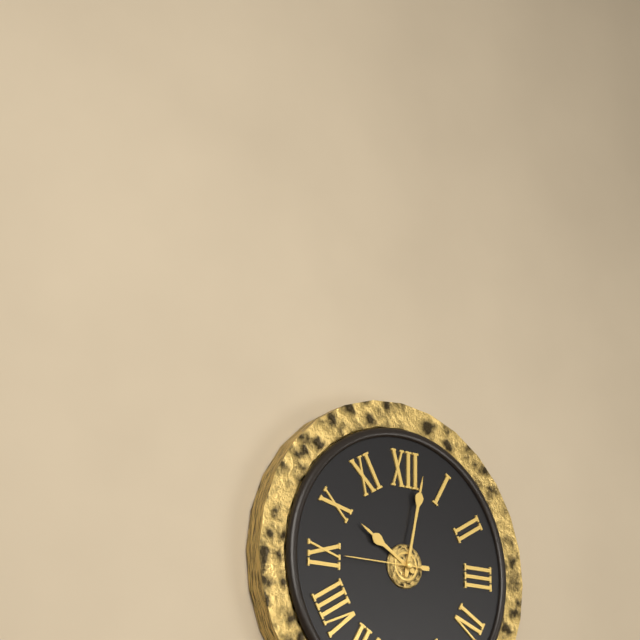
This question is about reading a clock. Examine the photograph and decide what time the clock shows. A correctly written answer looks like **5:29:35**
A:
**10:02:45**
